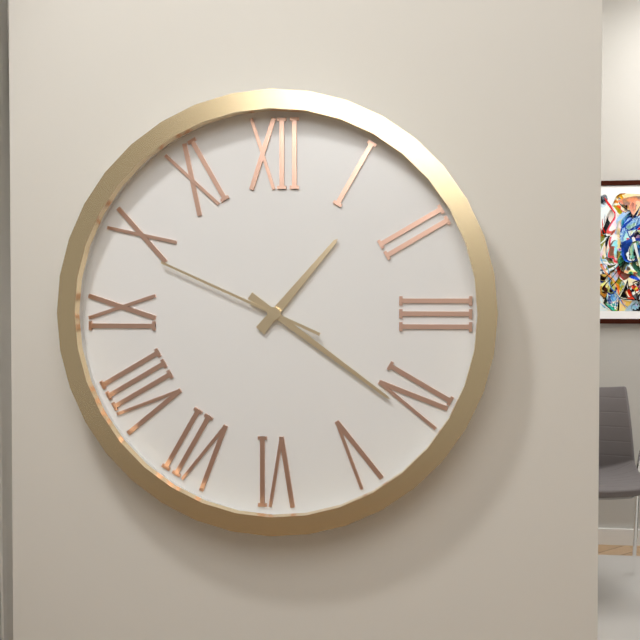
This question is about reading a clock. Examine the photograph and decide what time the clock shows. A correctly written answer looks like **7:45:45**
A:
**1:21:49**
